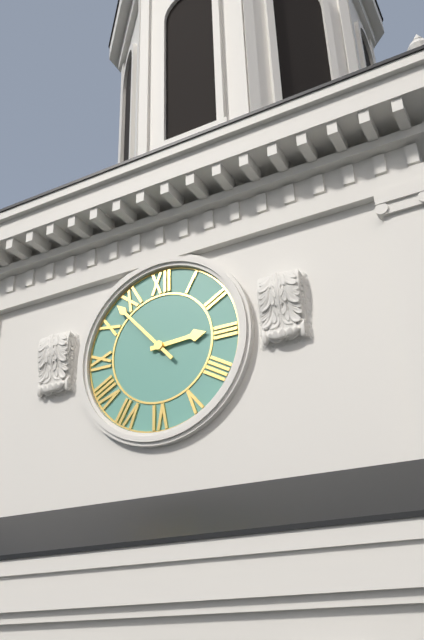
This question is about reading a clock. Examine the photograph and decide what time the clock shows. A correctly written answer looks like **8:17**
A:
**2:53**
